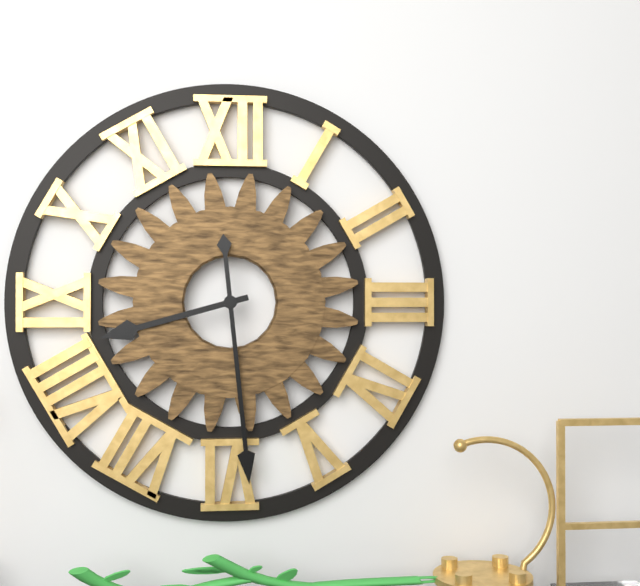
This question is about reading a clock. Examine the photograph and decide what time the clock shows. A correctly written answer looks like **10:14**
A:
**8:29**
